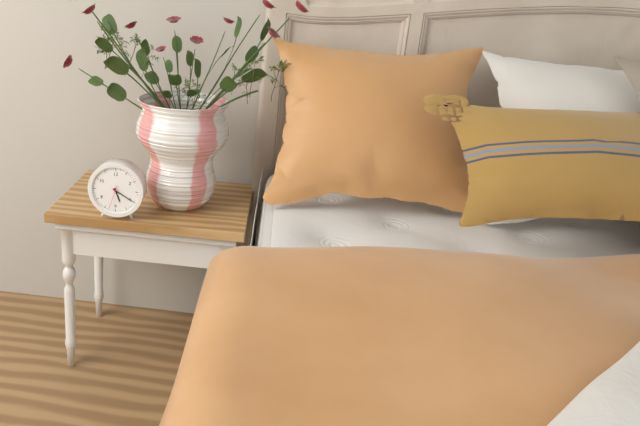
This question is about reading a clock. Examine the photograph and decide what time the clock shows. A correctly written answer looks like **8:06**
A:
**5:20**
